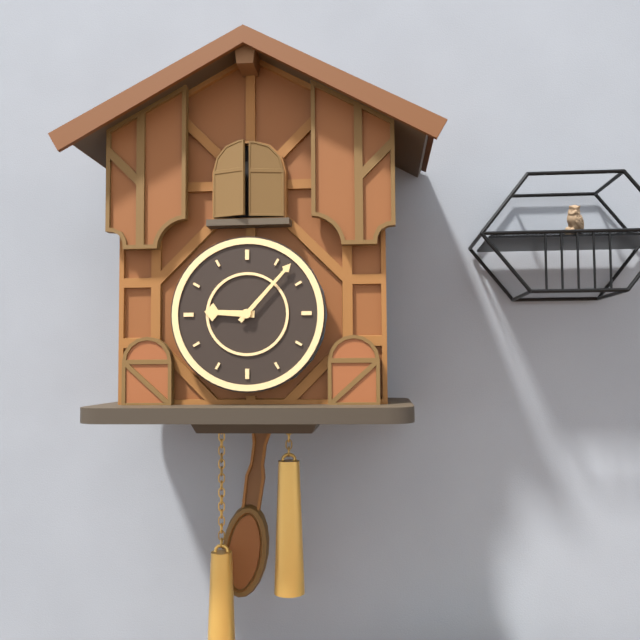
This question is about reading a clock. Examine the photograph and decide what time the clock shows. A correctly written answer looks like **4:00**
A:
**9:07**
